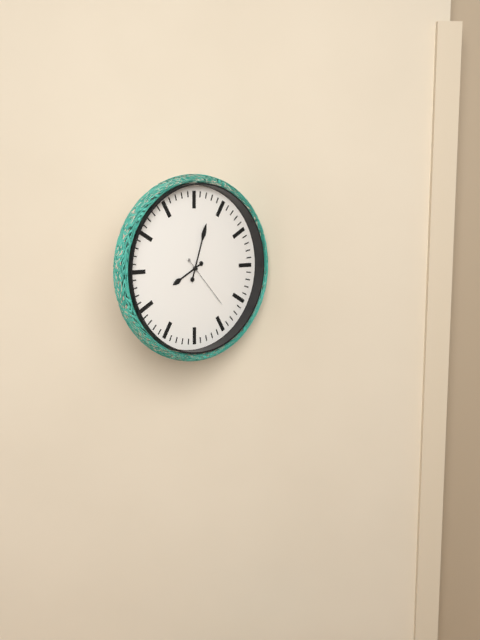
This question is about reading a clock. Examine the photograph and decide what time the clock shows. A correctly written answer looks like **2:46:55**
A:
**8:03:23**
